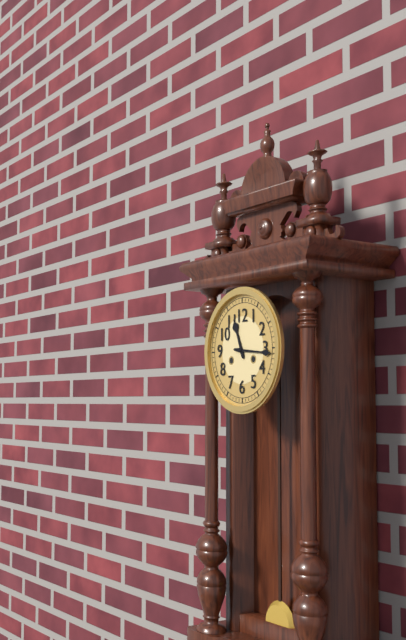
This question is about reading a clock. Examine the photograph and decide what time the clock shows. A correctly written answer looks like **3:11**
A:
**11:16**
